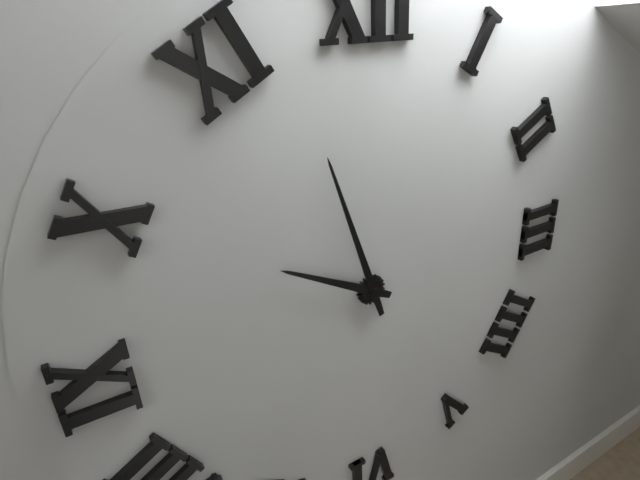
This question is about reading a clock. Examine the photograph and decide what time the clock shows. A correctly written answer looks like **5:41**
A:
**9:57**
